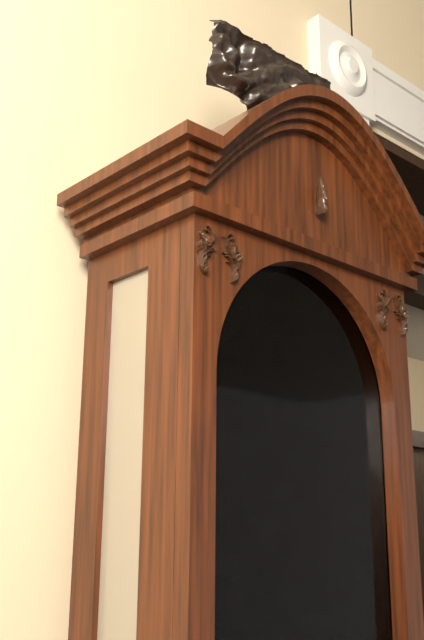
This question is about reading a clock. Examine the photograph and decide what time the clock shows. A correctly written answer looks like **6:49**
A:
**10:11**
